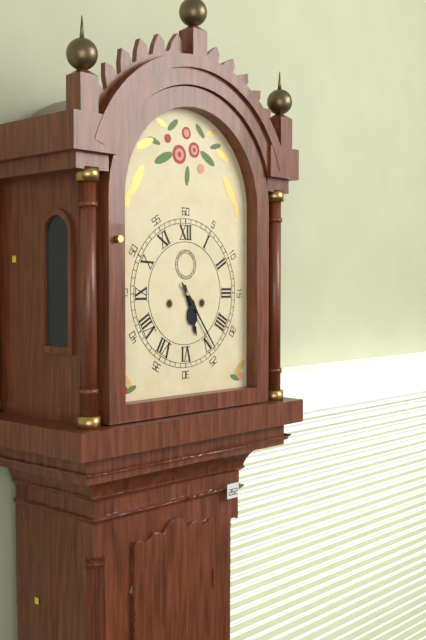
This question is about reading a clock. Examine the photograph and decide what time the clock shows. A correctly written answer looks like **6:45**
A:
**5:24**
